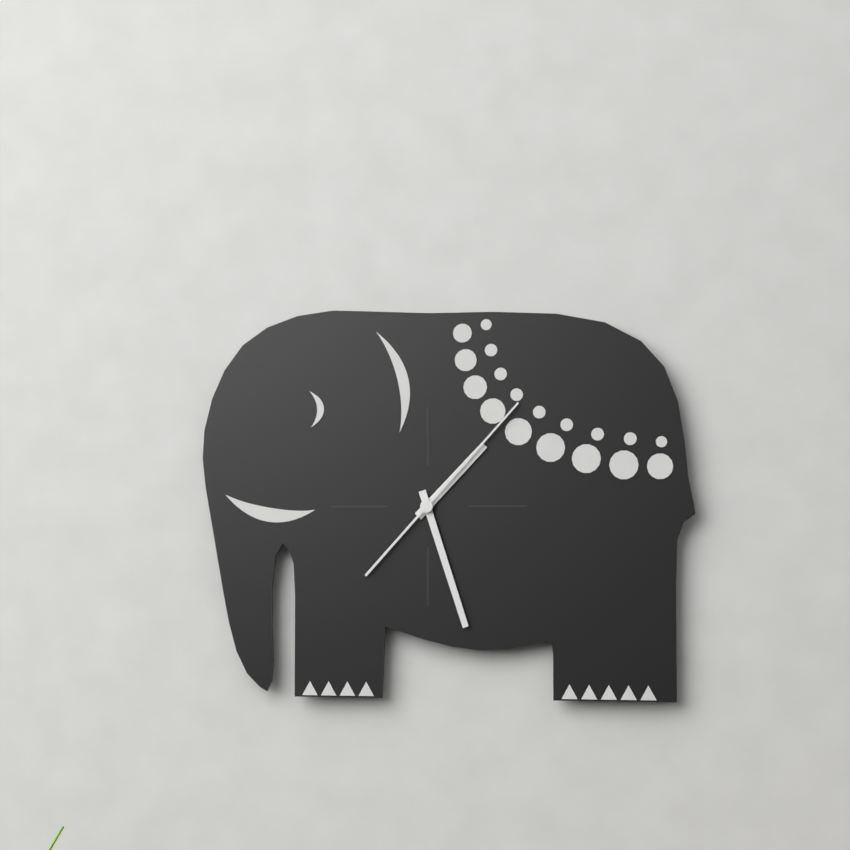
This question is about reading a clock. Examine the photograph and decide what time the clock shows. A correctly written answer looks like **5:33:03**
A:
**1:27:07**
